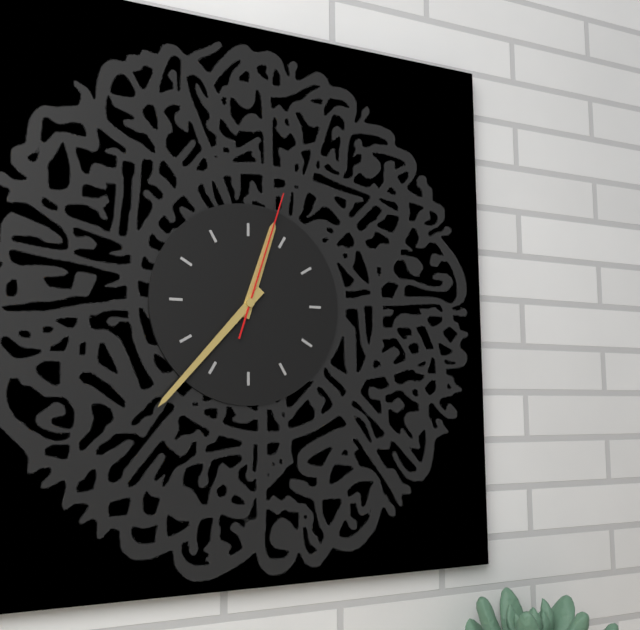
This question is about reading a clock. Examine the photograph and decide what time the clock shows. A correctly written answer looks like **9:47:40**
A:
**12:37:03**
